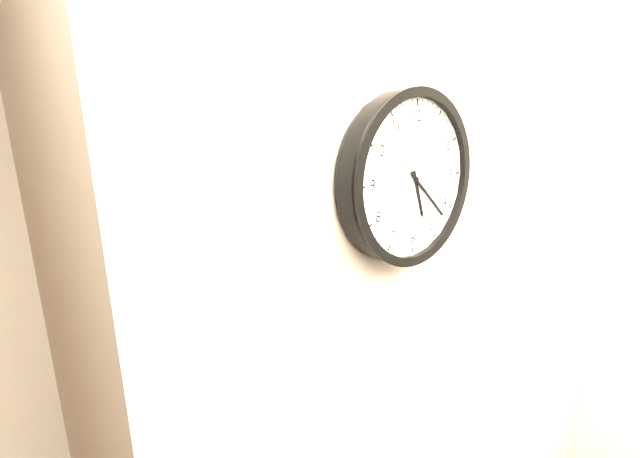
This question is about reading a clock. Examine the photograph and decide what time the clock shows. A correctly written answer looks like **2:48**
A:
**5:22**
